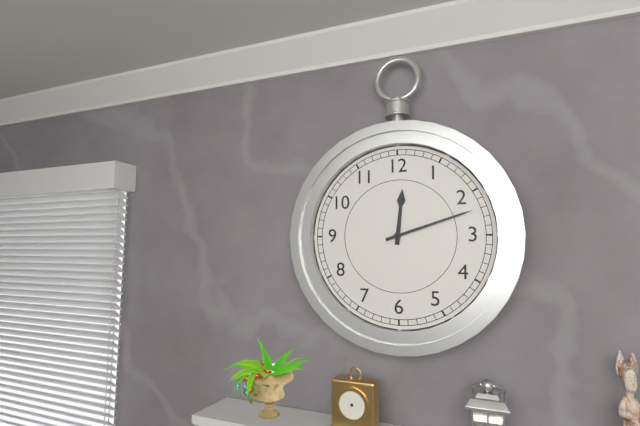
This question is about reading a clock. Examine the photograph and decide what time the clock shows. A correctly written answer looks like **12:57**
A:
**12:12**
